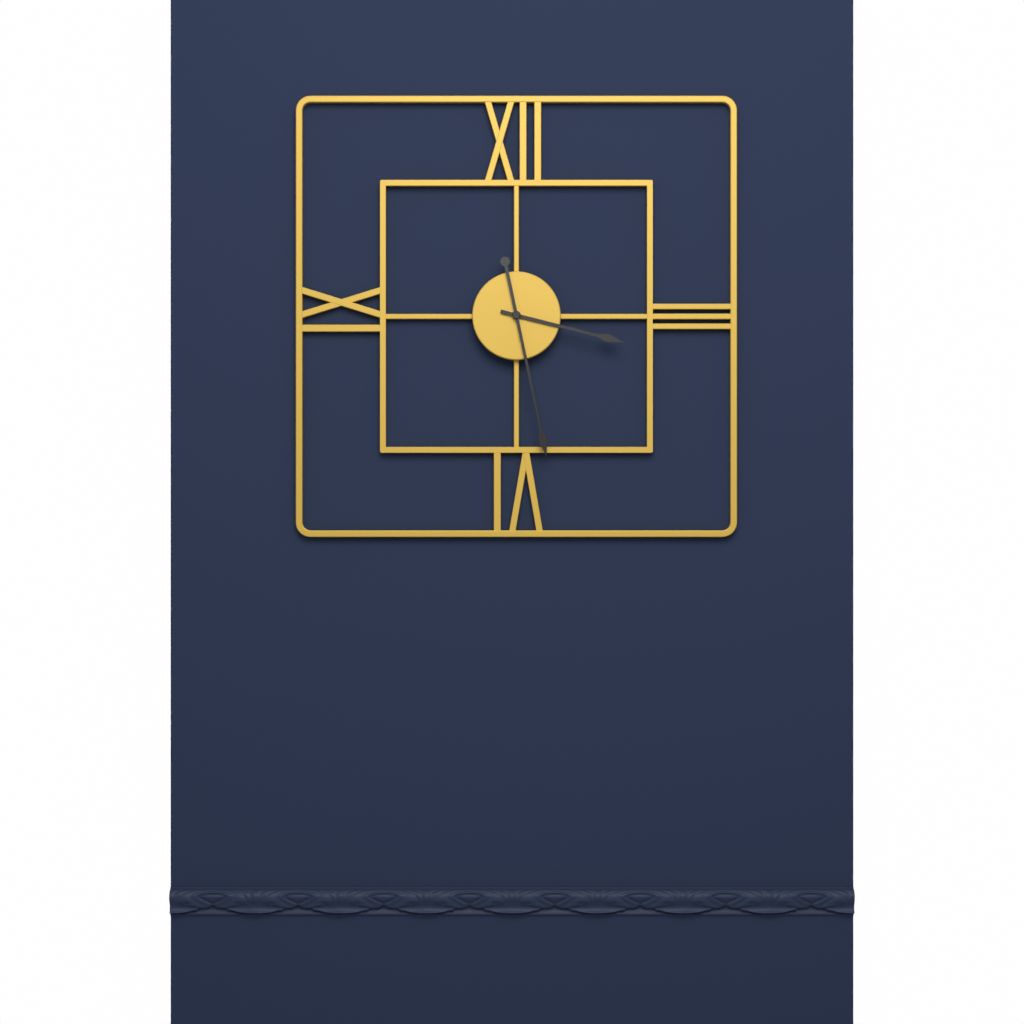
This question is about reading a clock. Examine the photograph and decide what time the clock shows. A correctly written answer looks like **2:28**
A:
**3:28**
